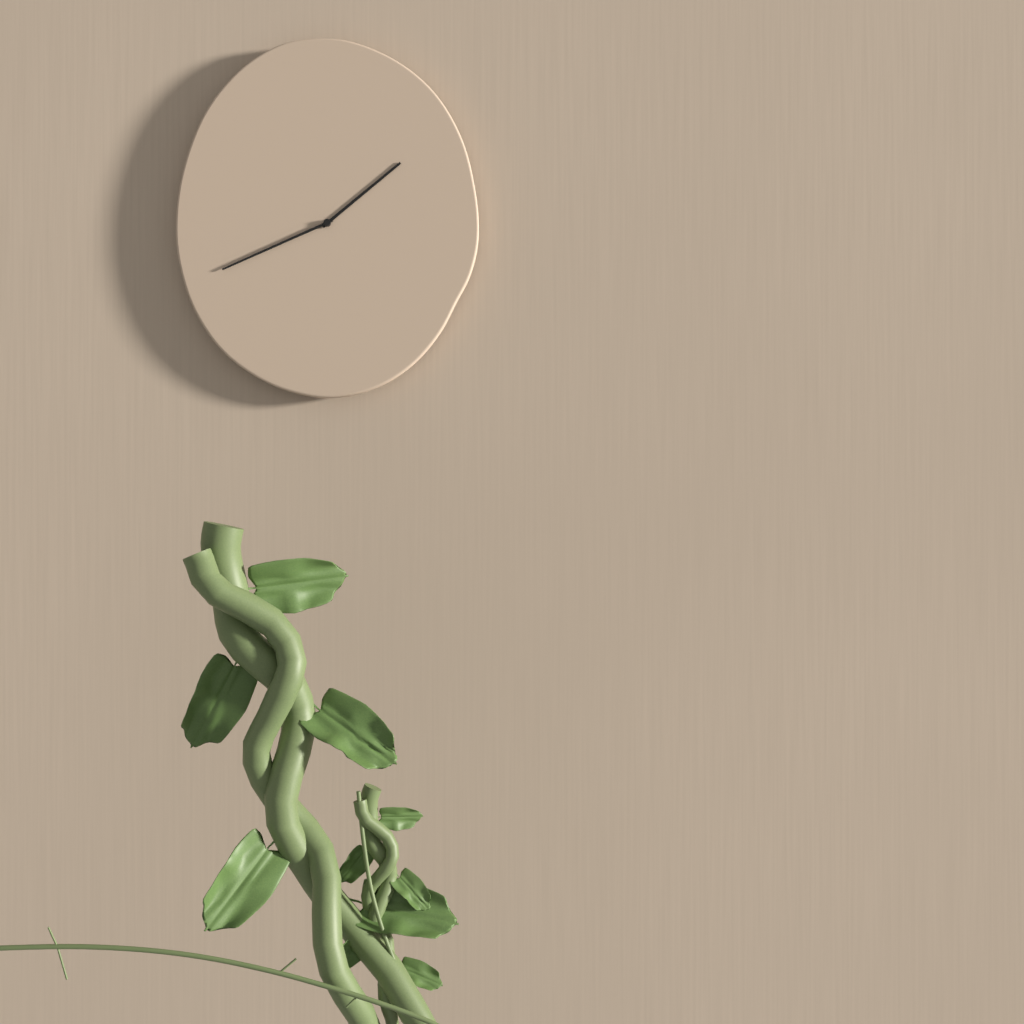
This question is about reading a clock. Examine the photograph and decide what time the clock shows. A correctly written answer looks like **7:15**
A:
**1:41**
